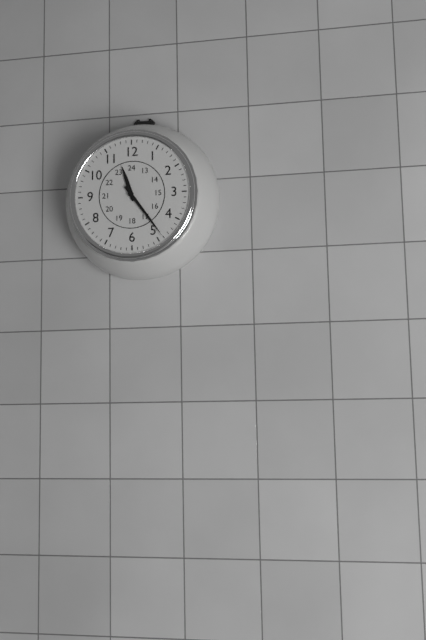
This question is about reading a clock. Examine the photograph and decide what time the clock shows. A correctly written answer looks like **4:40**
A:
**11:24**
